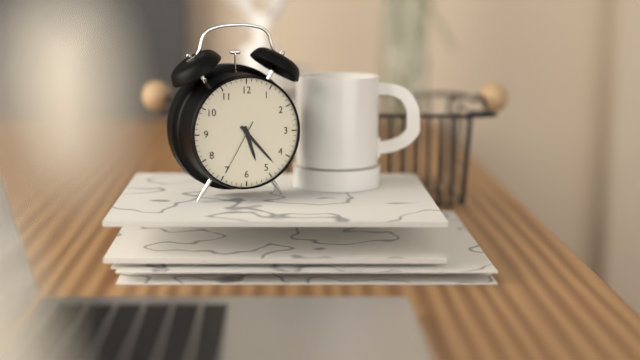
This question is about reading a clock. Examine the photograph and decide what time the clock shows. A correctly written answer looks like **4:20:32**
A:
**5:23:35**
